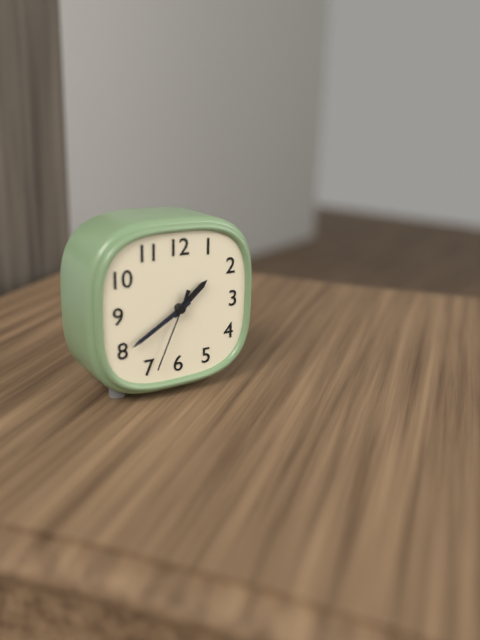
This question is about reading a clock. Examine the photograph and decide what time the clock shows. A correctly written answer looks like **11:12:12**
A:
**1:40:34**
